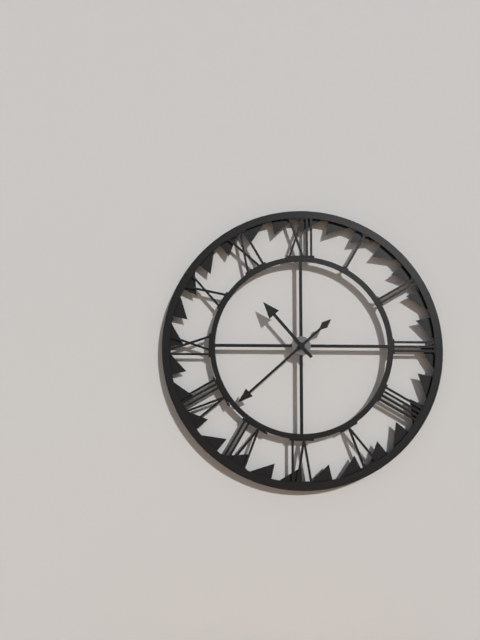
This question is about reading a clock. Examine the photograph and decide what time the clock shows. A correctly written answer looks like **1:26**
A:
**10:38**
